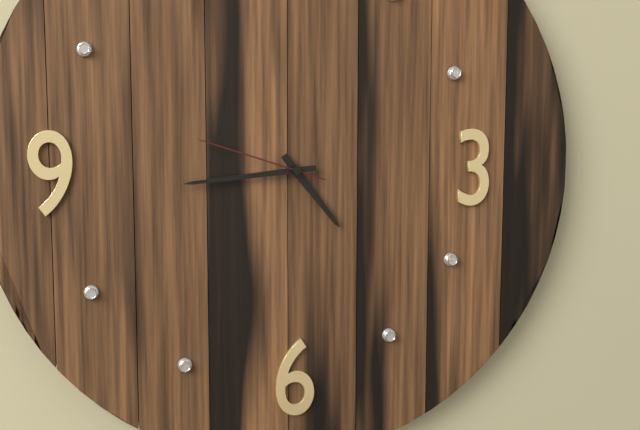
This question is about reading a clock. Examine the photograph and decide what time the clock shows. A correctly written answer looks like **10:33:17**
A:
**4:44:48**
